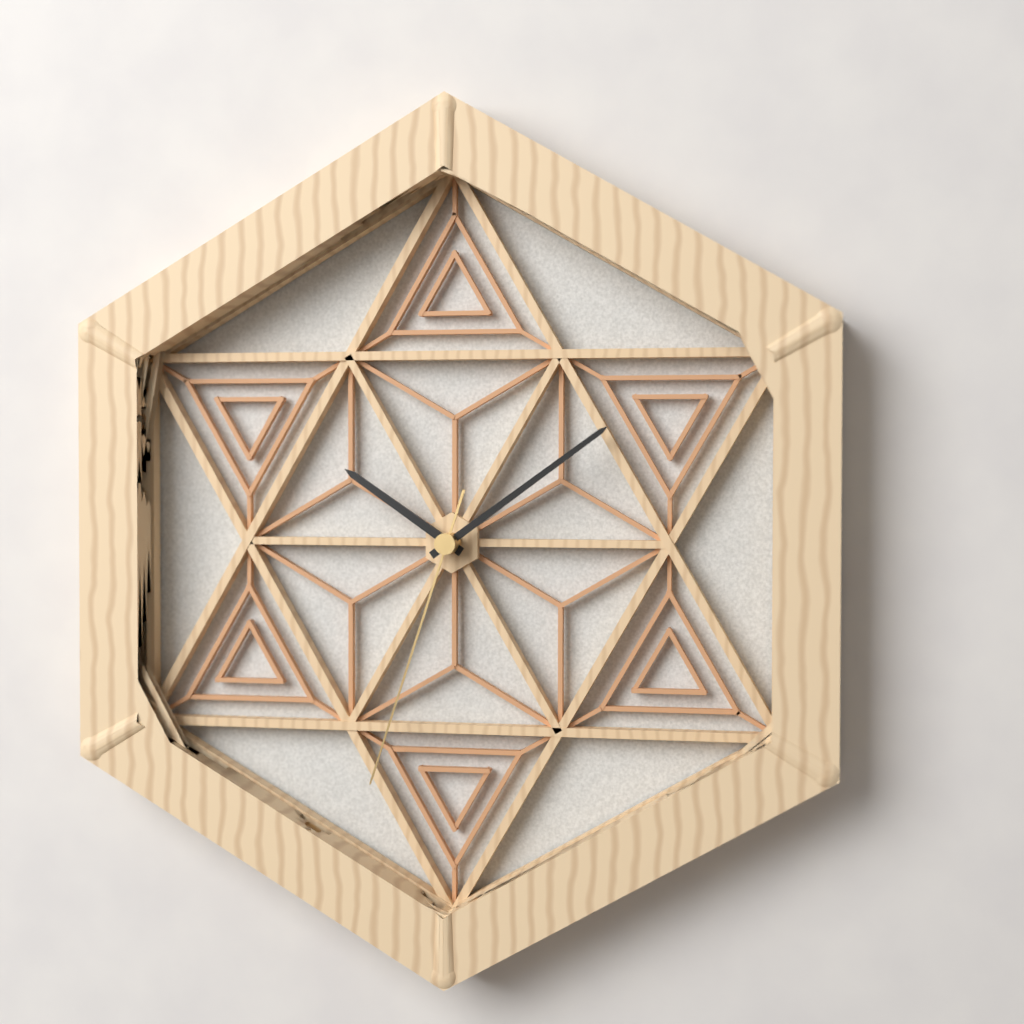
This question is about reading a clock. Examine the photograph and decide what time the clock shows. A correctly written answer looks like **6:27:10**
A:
**10:09:33**
